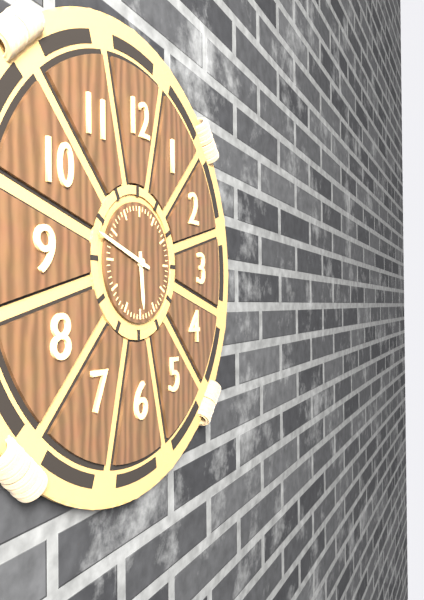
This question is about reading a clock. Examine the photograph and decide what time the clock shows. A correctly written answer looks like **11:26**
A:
**5:48**
